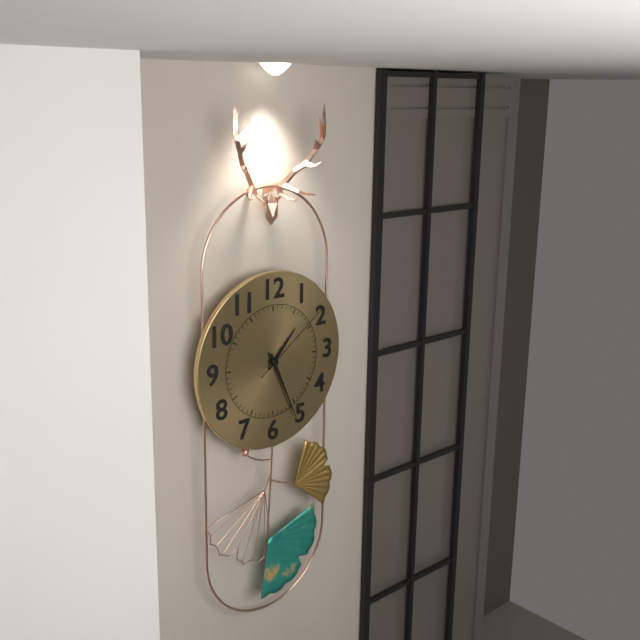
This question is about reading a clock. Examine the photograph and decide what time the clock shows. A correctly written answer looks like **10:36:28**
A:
**1:26:09**
